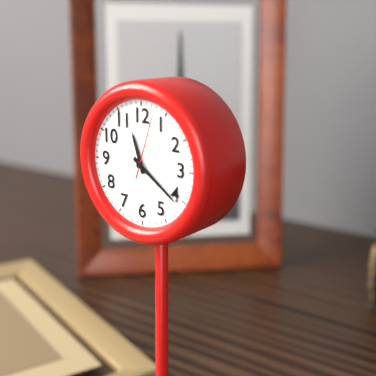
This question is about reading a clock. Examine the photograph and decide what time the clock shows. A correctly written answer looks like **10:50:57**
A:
**11:21:03**
